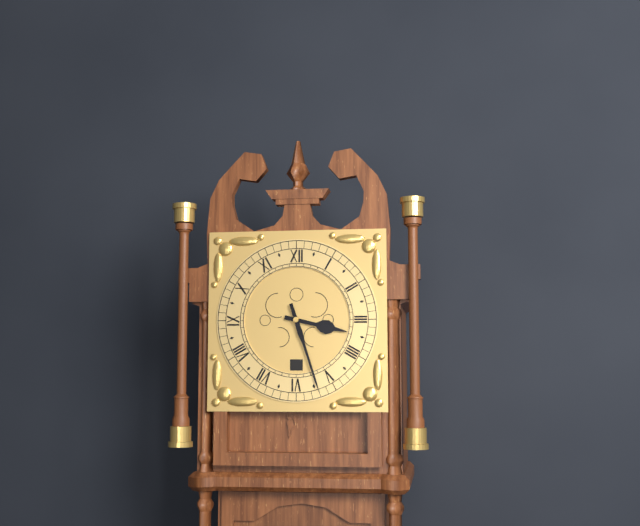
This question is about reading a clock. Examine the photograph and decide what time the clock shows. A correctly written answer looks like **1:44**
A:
**3:27**
